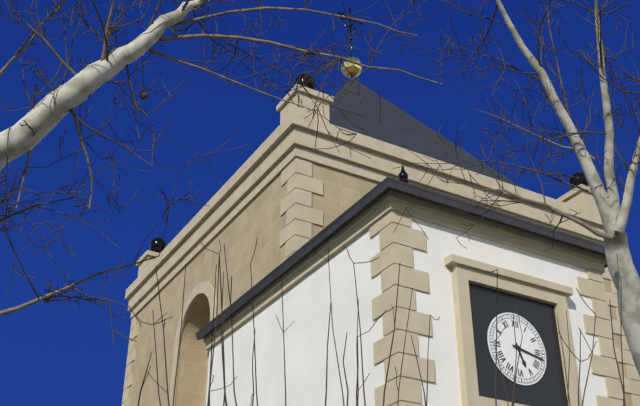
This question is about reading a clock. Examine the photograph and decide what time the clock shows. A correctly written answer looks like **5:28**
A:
**5:17**
